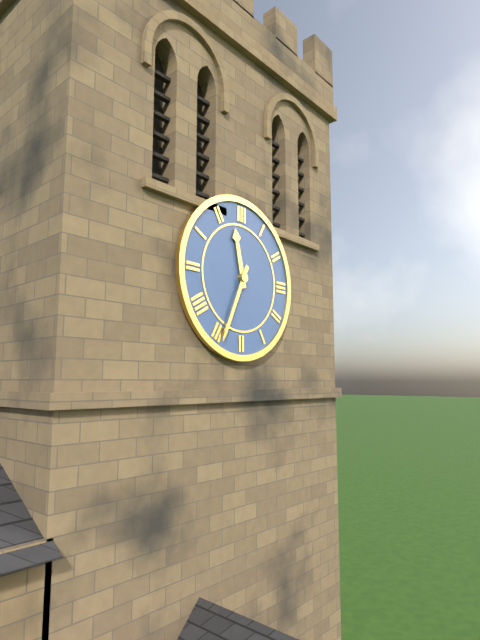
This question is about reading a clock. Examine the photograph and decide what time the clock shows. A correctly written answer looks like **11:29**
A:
**11:34**
